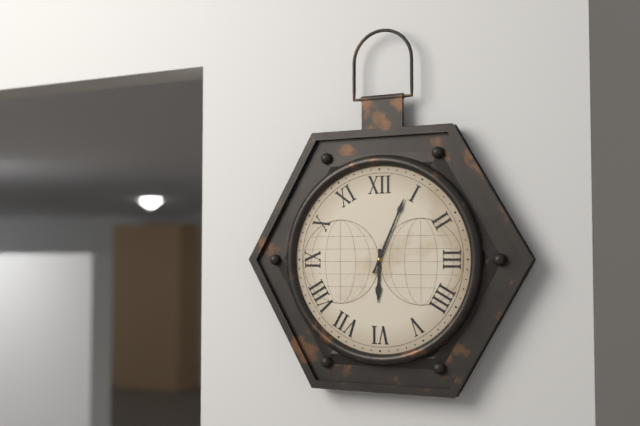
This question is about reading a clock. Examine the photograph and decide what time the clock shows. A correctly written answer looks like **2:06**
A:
**6:04**
